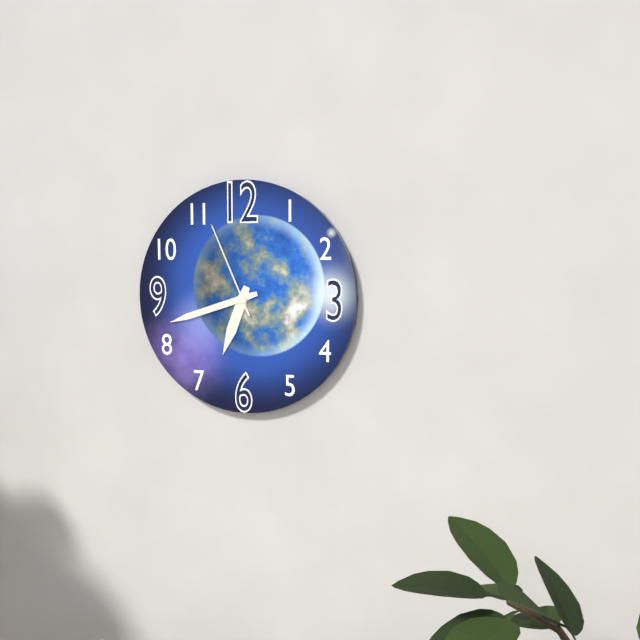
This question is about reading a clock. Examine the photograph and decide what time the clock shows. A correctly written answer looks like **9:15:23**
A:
**6:42:56**
